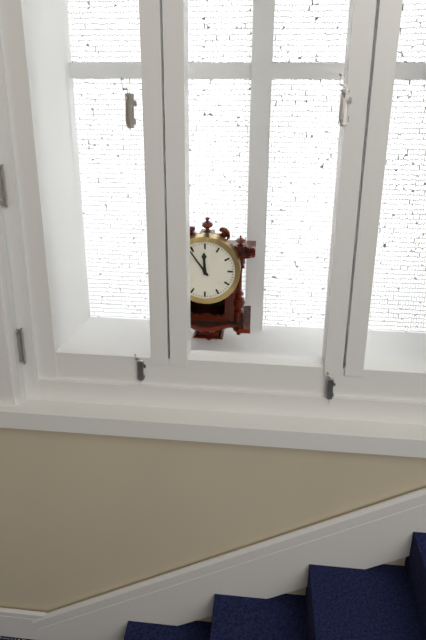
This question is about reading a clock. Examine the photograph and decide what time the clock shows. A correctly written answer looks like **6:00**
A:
**11:54**
